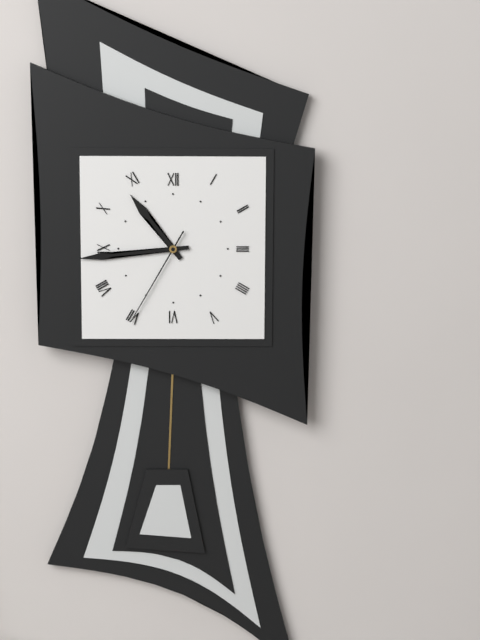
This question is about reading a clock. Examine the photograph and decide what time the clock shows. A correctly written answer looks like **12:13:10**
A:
**10:44:35**
